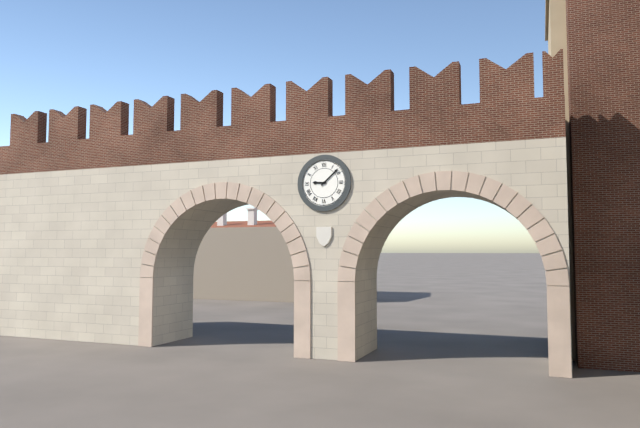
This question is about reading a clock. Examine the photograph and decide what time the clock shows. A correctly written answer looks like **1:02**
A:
**9:08**
